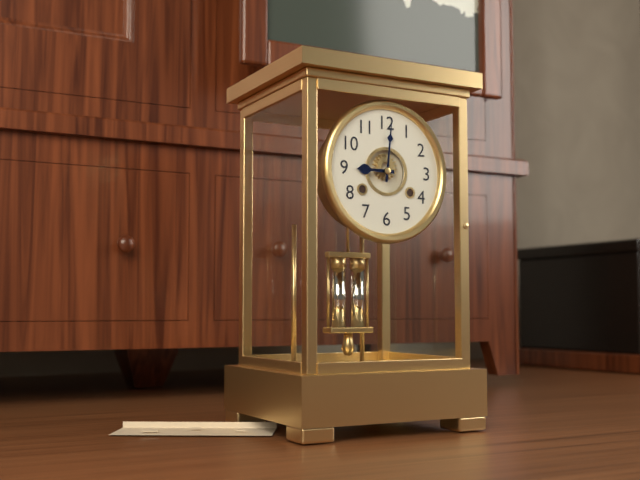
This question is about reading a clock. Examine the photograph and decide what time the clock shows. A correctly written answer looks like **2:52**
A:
**9:01**
